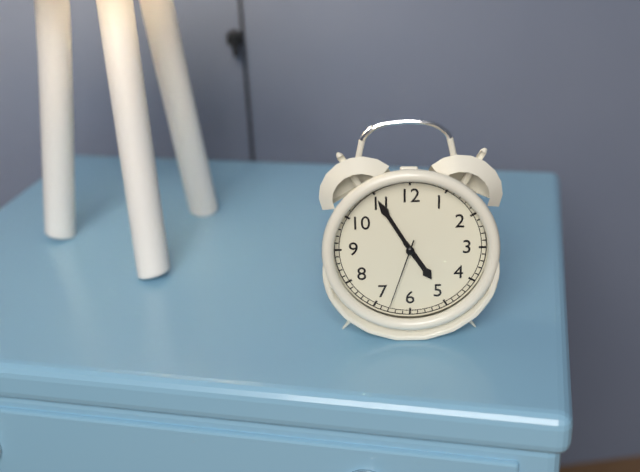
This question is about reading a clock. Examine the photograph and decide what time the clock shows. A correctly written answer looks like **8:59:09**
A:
**4:55:33**
